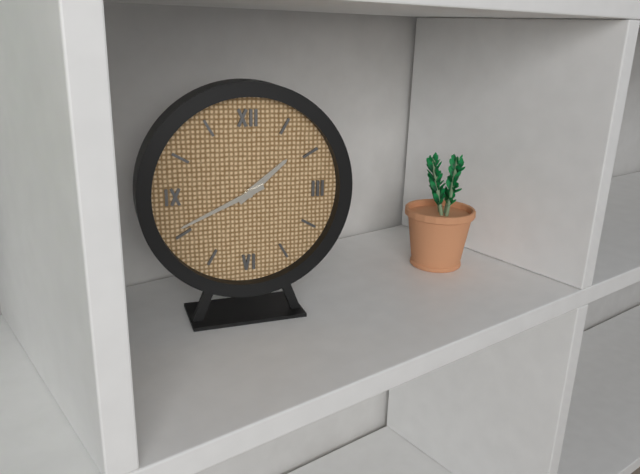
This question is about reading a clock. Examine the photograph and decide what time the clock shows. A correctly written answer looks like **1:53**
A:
**1:41**
